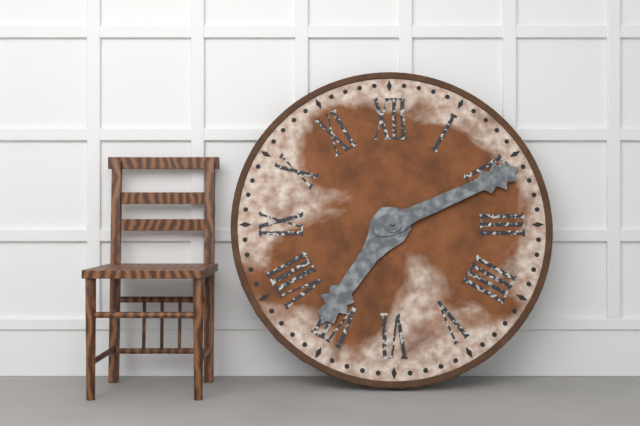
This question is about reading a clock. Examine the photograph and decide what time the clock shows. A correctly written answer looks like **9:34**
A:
**7:11**
